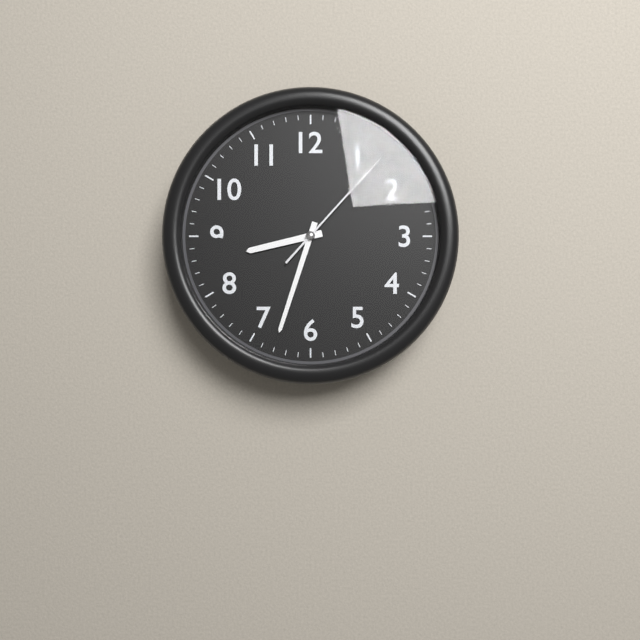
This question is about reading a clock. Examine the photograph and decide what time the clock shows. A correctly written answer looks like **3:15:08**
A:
**8:33:07**
